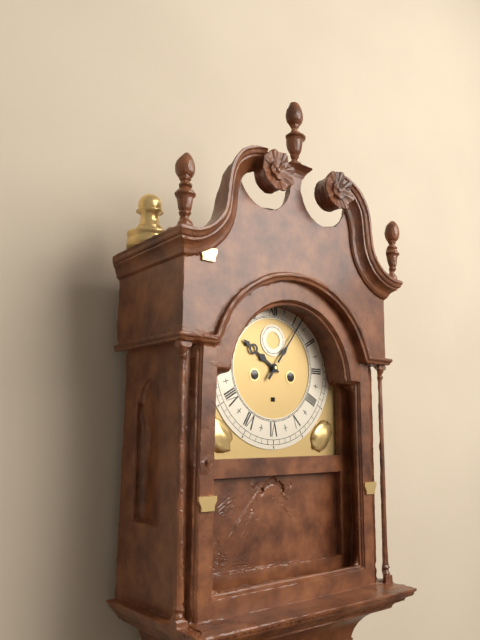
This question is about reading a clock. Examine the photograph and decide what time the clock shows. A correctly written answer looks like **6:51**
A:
**10:06**
